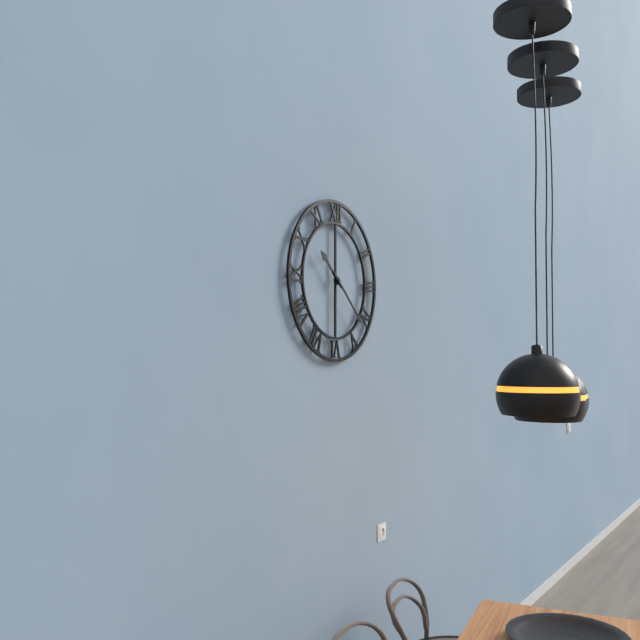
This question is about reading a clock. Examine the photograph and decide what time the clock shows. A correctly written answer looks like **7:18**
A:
**10:22**
